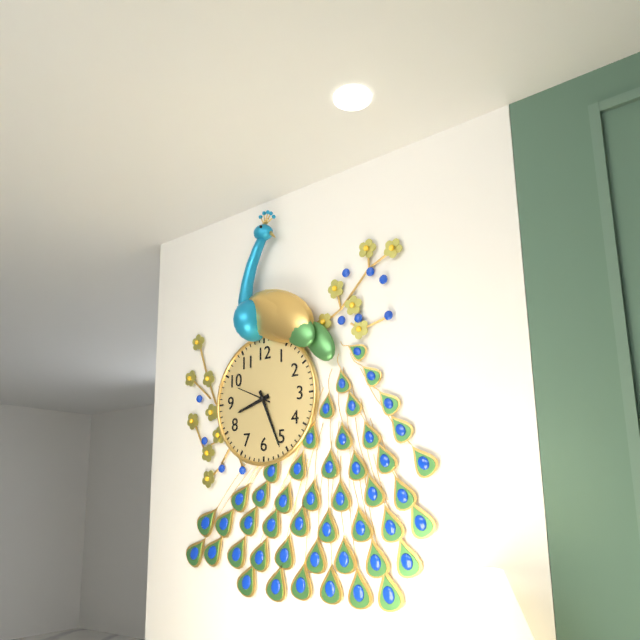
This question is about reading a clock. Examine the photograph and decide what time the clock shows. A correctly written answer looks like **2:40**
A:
**8:26**
